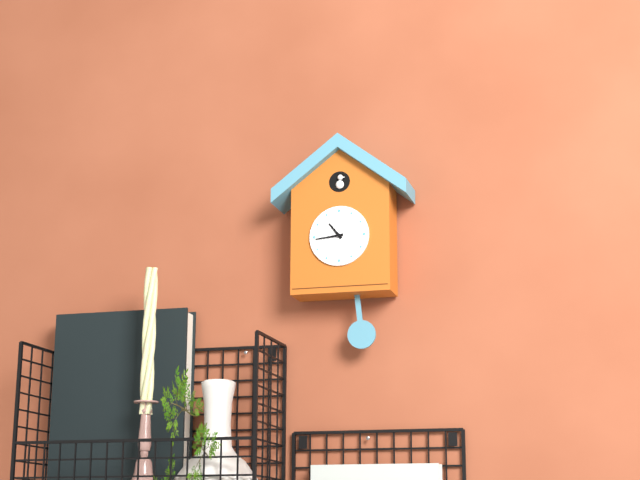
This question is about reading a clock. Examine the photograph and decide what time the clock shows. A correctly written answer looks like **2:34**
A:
**10:44**
